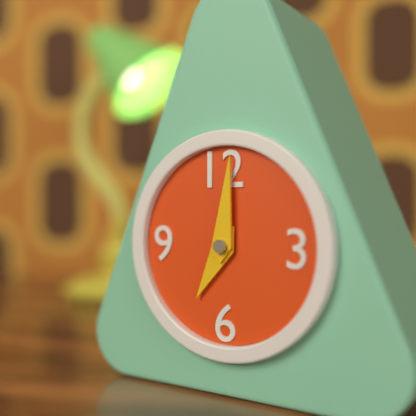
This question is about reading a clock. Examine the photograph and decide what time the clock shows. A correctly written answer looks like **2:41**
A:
**7:01**
